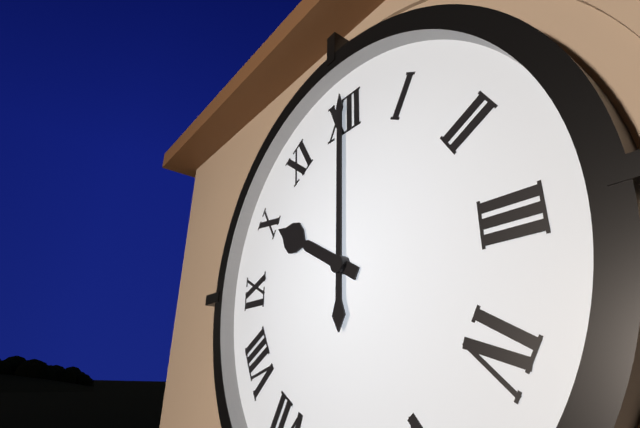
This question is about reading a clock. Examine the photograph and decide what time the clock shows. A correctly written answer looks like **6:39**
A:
**10:00**
